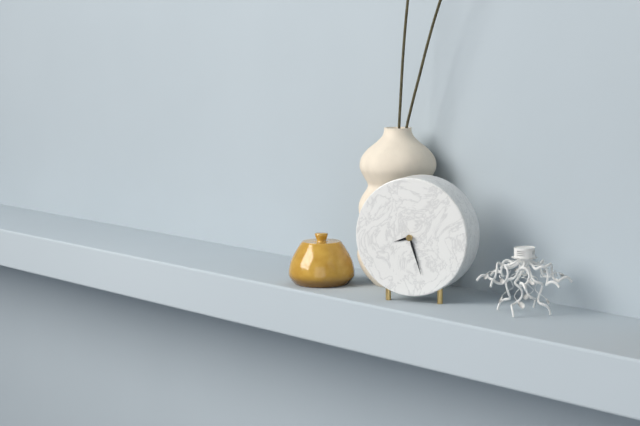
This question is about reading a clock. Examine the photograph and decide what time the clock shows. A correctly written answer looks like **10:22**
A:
**8:27**
